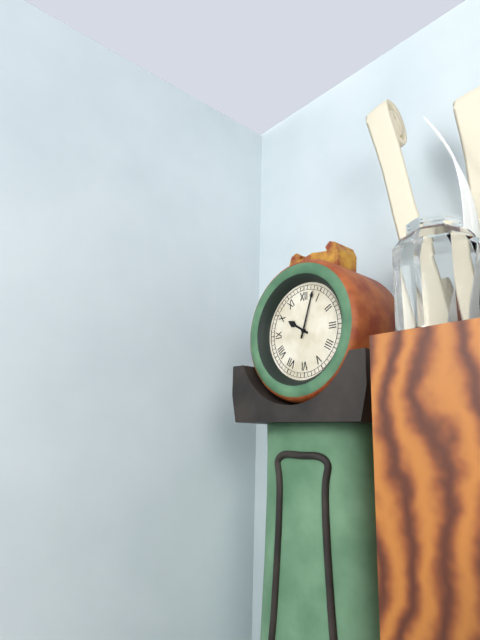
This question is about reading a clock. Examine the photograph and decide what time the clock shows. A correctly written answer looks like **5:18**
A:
**10:03**
